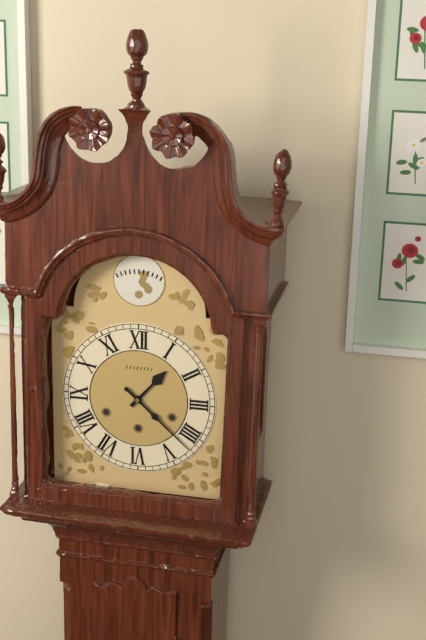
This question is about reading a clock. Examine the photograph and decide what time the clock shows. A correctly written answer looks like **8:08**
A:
**1:22**
